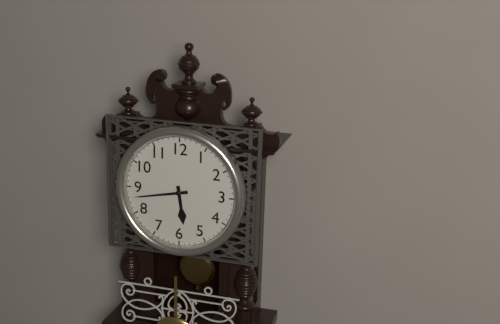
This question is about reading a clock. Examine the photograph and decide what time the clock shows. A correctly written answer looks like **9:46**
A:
**5:43**
